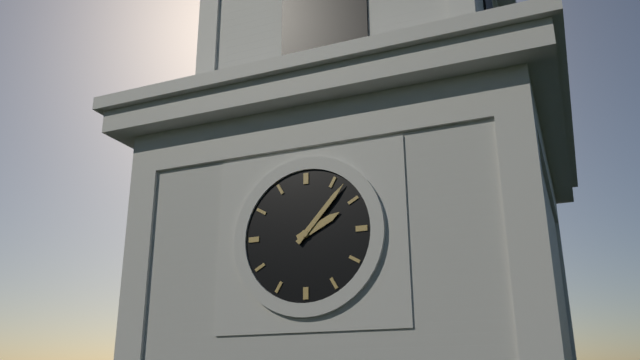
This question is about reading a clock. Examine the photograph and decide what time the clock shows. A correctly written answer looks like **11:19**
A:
**2:07**
